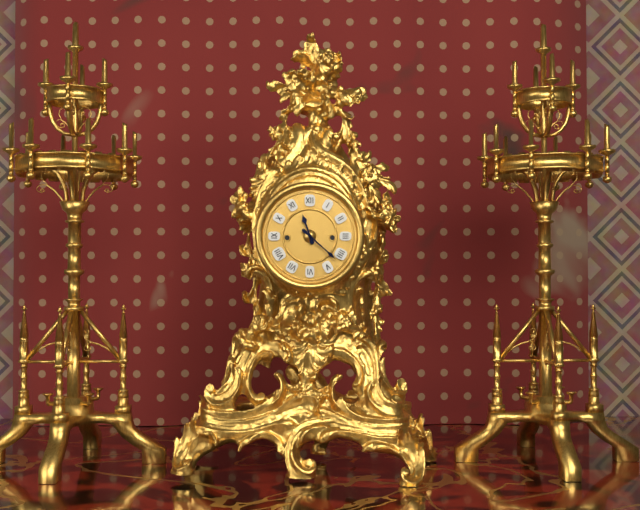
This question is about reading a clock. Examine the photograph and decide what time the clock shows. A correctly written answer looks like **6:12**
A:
**11:22**
